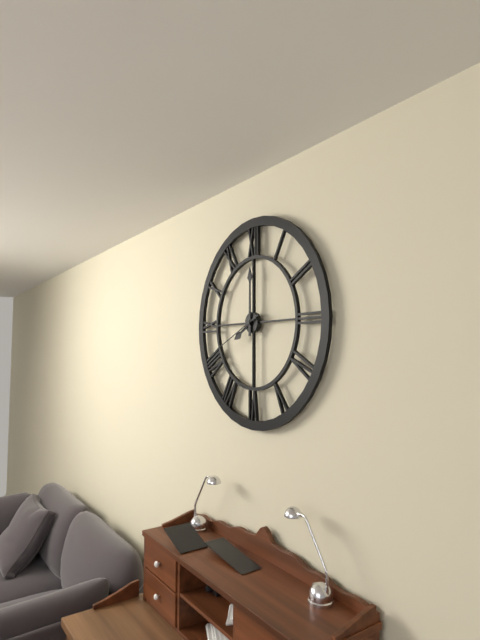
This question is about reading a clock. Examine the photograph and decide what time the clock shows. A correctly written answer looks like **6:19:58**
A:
**8:00:41**
